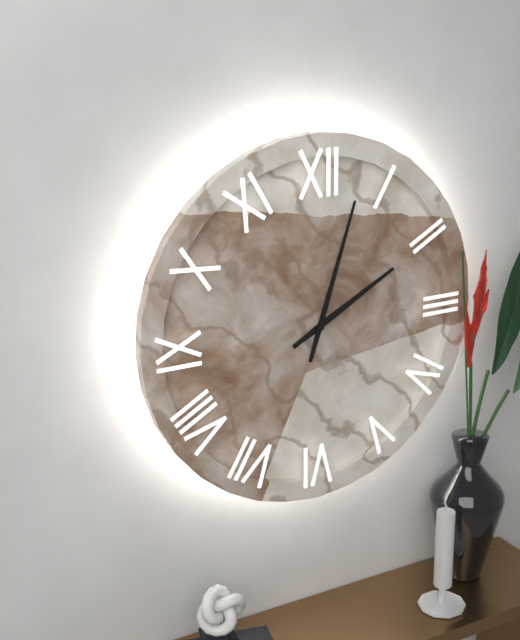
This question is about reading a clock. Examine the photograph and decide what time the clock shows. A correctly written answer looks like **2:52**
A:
**2:03**
